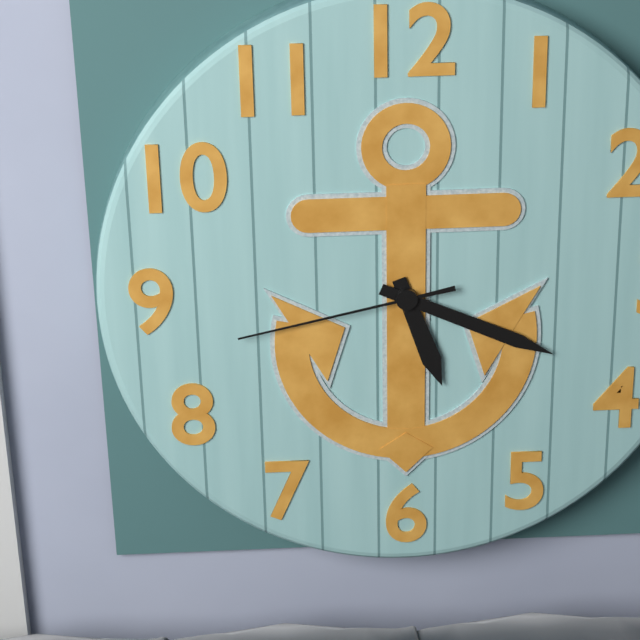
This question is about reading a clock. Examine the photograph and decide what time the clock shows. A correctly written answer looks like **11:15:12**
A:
**5:19:43**
